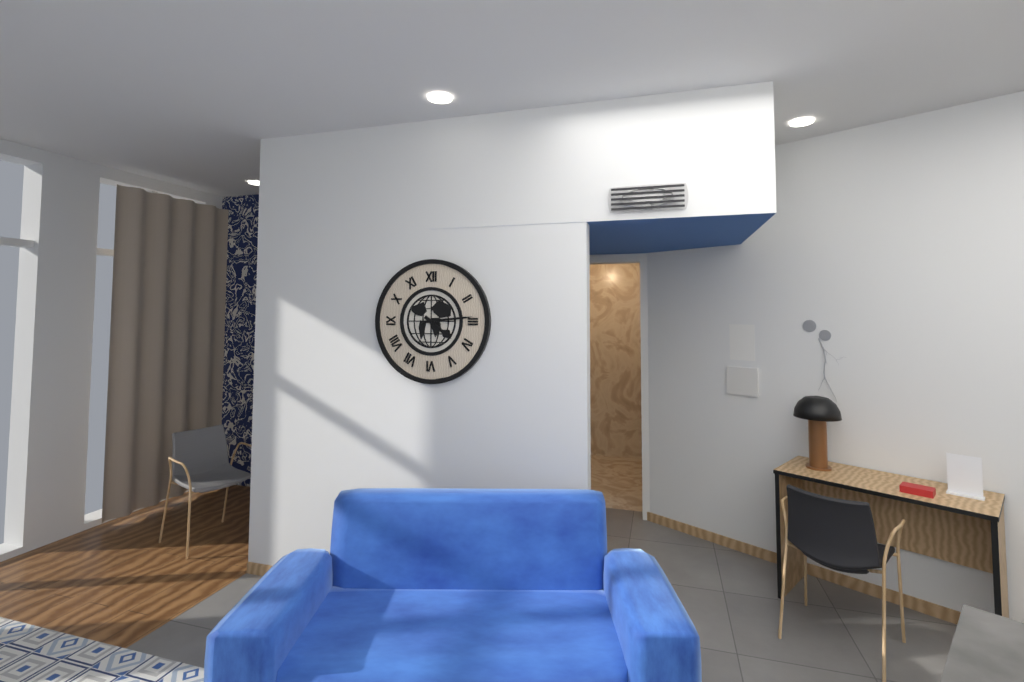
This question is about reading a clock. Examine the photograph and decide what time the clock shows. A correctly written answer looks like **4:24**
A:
**4:14**
